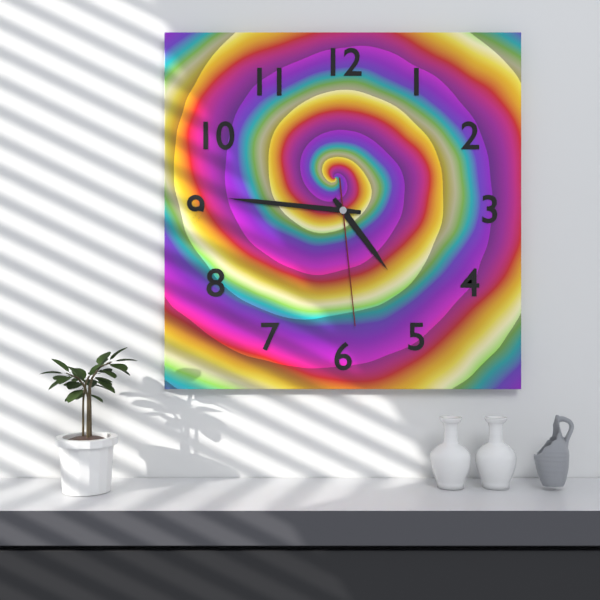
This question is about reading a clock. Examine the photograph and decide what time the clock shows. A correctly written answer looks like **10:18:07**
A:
**4:46:29**
